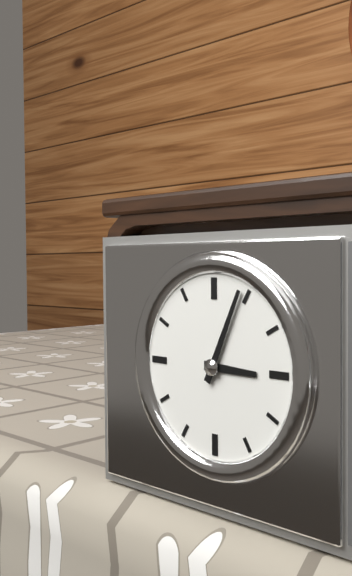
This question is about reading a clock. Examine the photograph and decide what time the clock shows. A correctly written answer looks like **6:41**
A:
**3:04**
